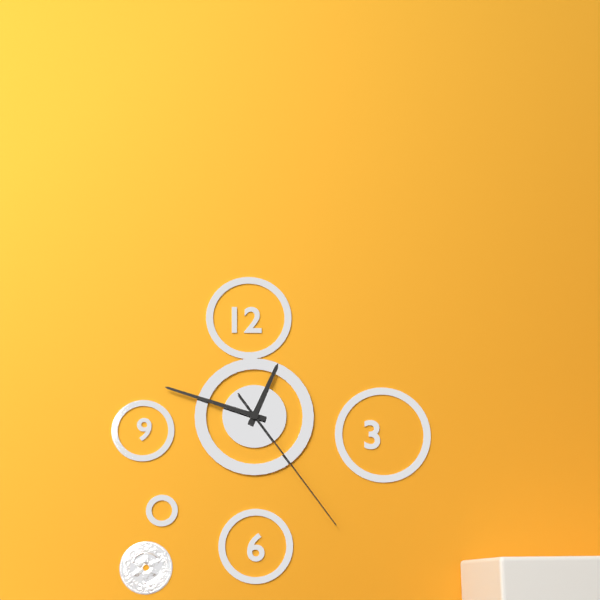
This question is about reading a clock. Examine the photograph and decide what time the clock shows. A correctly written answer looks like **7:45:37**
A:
**12:48:24**
